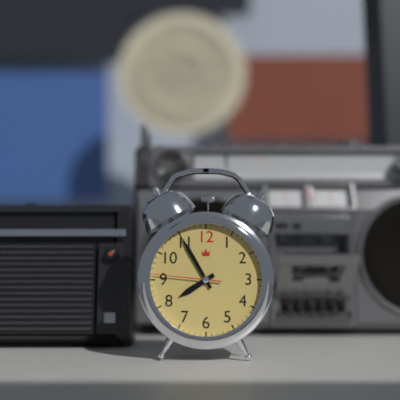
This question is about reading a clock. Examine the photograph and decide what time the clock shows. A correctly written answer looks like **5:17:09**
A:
**7:55:46**
